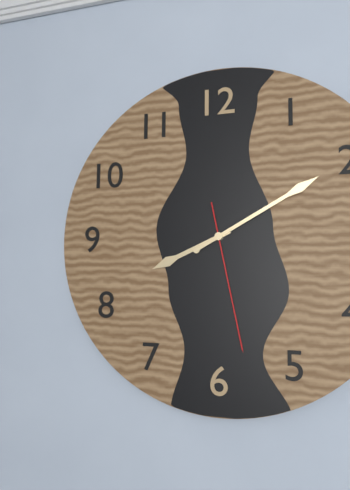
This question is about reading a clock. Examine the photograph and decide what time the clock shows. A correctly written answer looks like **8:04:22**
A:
**8:10:28**
